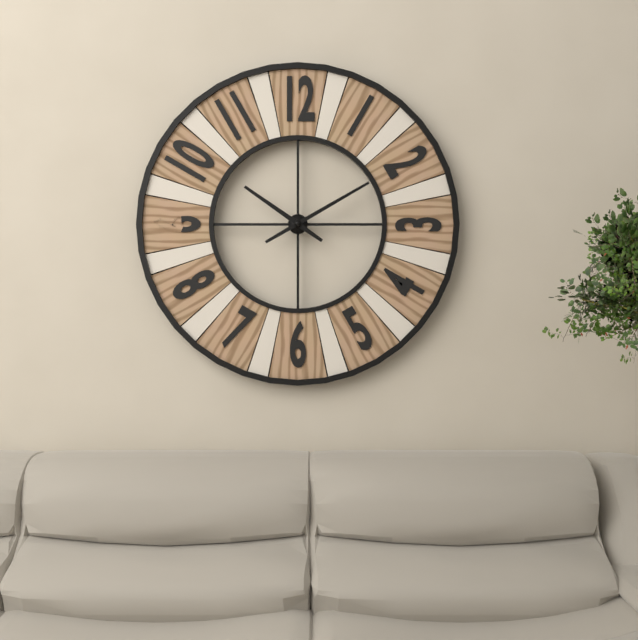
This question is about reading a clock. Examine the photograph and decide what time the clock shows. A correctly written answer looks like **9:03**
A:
**10:10**
